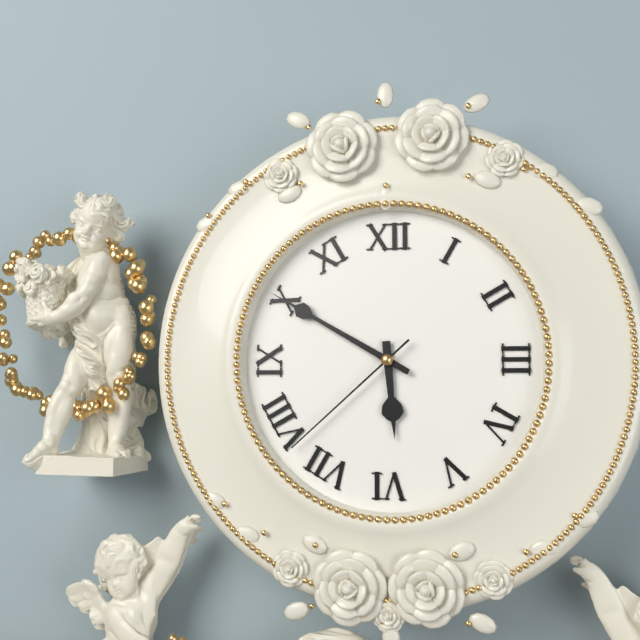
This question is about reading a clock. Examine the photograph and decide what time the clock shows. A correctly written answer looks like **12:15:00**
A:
**5:50:38**
